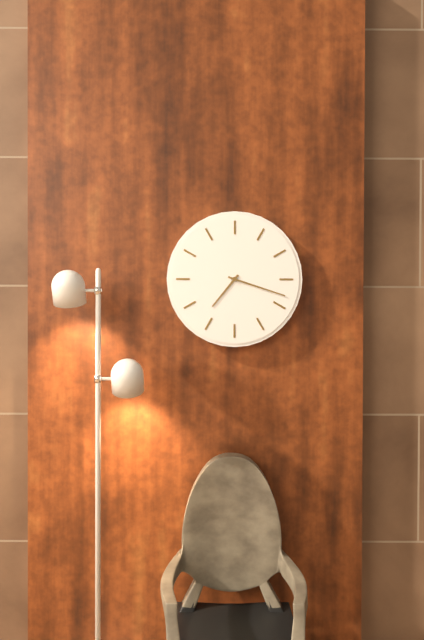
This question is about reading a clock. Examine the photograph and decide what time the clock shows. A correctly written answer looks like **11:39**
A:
**7:18**
